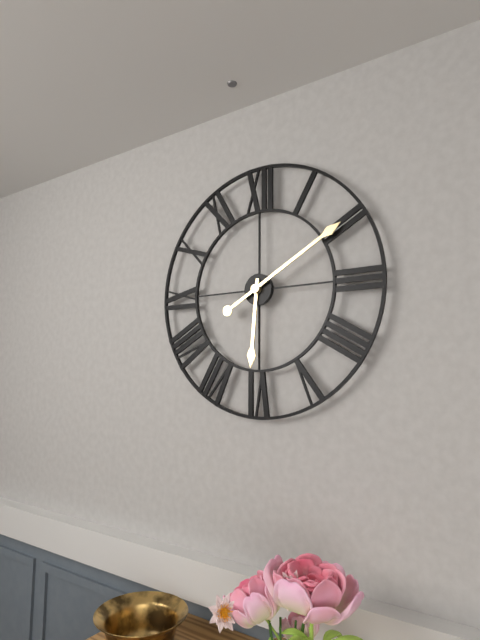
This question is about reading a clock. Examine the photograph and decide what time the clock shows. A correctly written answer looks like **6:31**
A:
**6:10**
